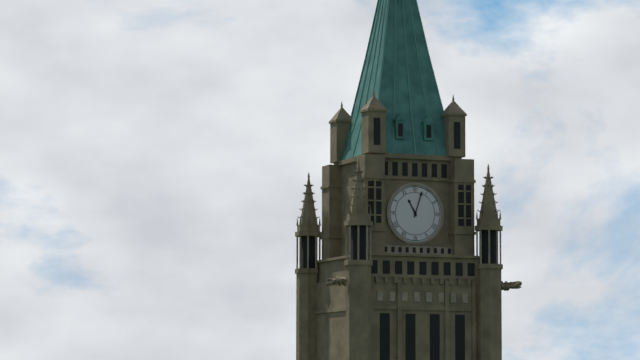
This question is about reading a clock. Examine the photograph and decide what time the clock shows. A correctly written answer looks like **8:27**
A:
**11:03**
